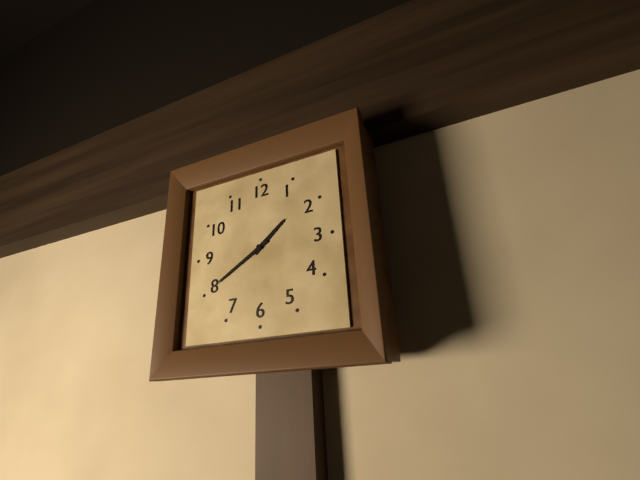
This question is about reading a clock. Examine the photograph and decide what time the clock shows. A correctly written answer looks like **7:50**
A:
**1:40**
